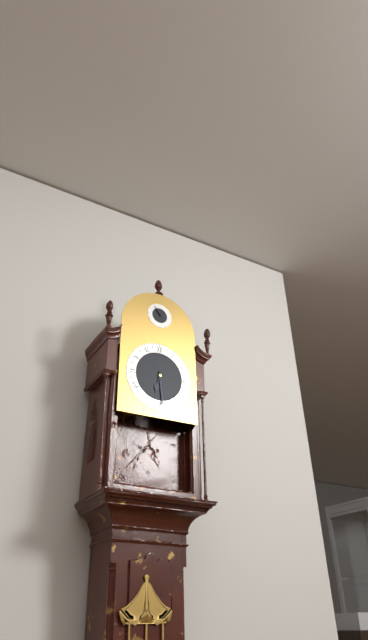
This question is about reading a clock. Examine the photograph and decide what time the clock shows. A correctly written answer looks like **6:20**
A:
**6:29**
